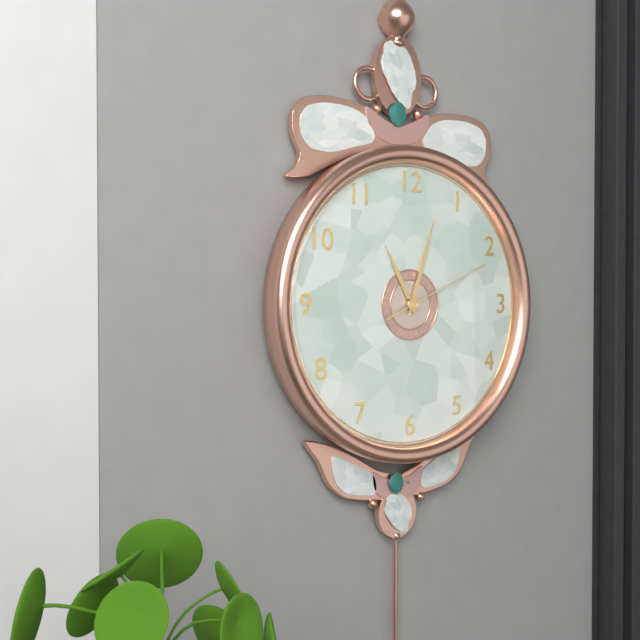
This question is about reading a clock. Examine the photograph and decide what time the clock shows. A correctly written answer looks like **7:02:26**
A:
**11:03:11**
